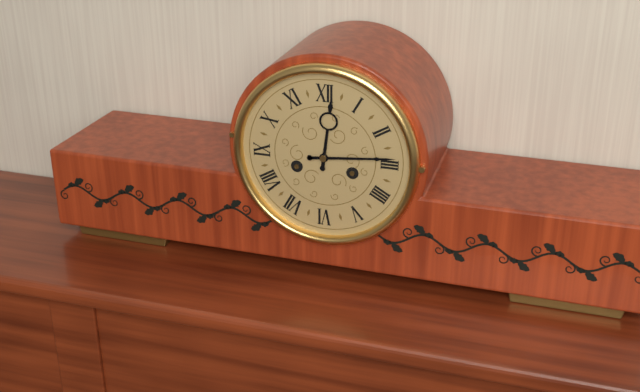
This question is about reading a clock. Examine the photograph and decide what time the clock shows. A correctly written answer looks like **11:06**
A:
**12:14**
